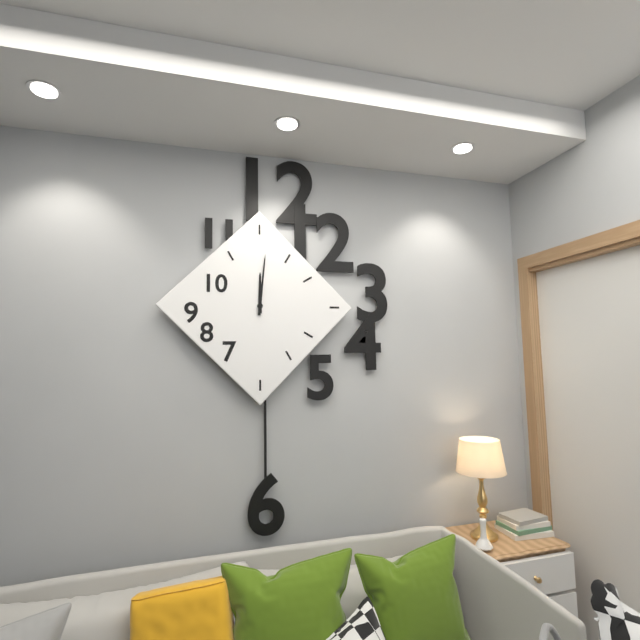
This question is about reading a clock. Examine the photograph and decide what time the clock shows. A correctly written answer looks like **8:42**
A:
**12:01**
